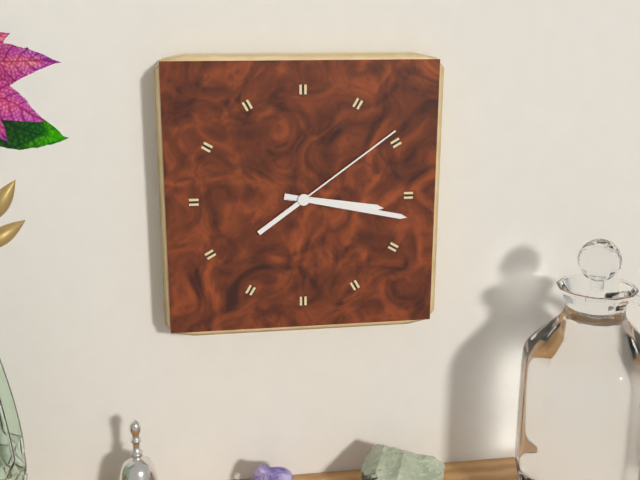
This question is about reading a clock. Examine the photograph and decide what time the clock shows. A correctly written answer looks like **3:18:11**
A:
**3:17:09**
